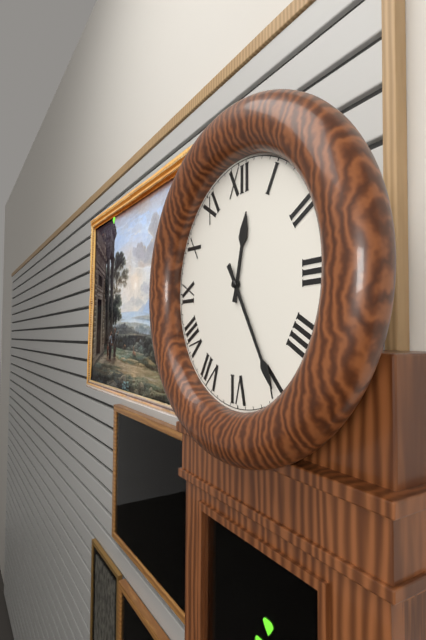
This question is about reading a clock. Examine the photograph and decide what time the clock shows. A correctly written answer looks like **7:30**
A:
**12:25**
